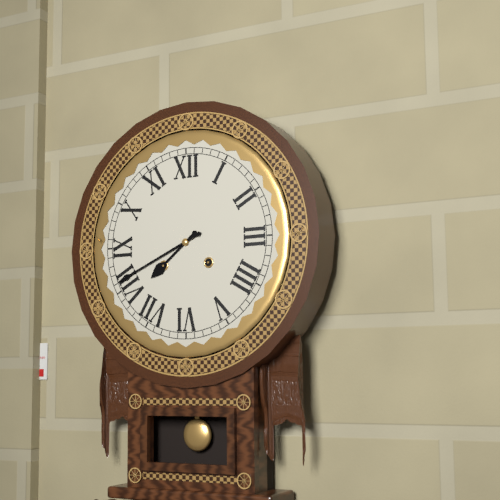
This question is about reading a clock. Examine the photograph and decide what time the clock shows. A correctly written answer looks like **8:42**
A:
**7:41**
